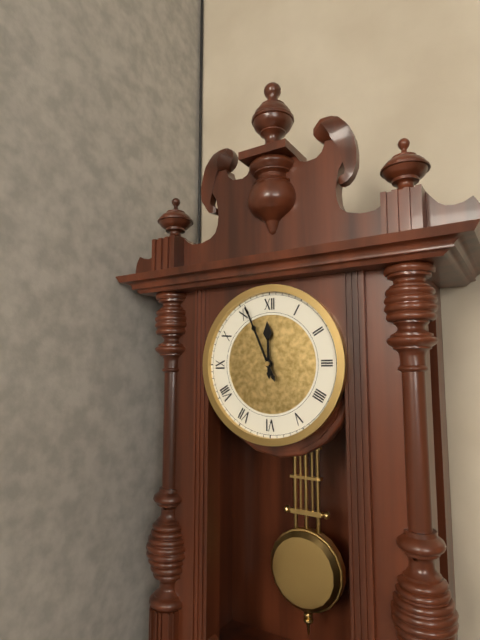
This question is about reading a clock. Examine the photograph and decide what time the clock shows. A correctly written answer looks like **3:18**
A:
**11:56**
